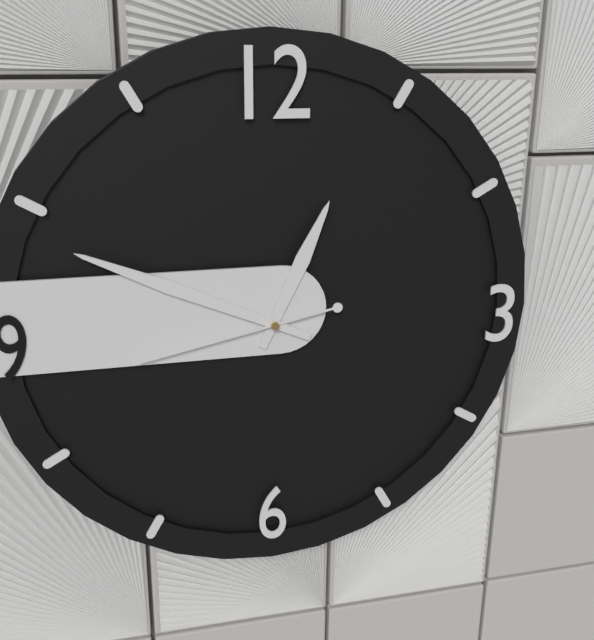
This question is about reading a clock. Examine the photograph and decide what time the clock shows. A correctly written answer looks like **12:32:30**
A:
**12:49:43**
